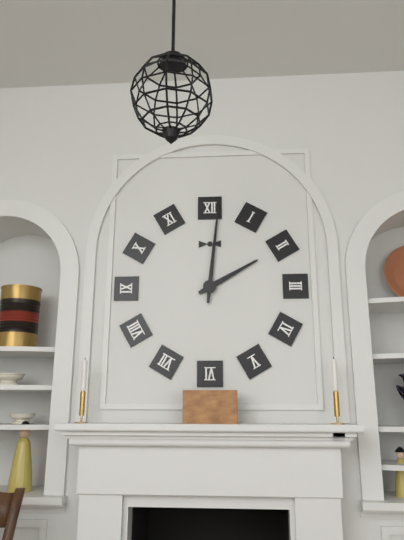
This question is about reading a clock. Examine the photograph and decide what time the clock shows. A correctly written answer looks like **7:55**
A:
**2:01**
